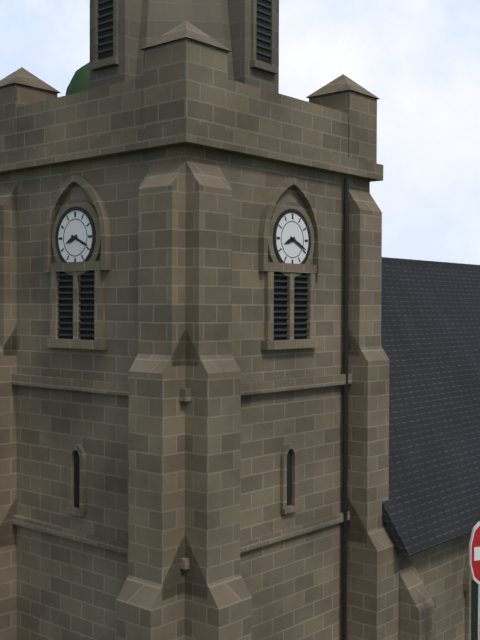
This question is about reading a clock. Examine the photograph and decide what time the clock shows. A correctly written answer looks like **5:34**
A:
**8:19**
